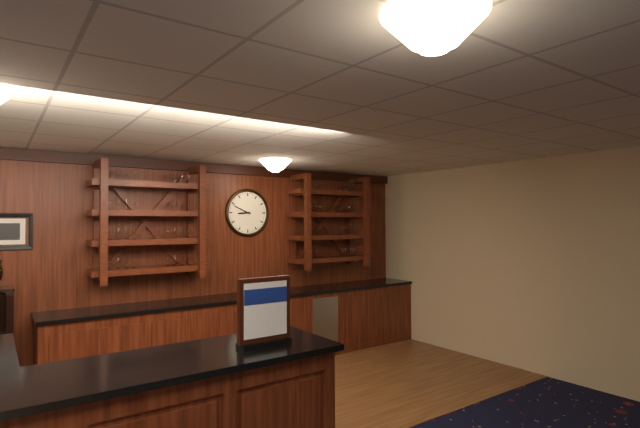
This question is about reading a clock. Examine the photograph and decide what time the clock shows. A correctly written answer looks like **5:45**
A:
**8:49**
